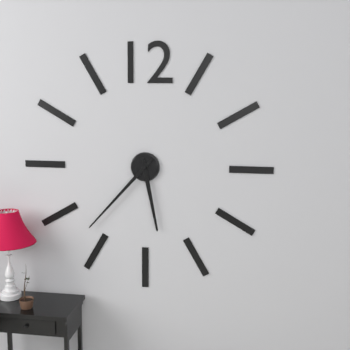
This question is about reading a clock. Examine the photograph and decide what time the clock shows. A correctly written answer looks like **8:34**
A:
**5:37**
